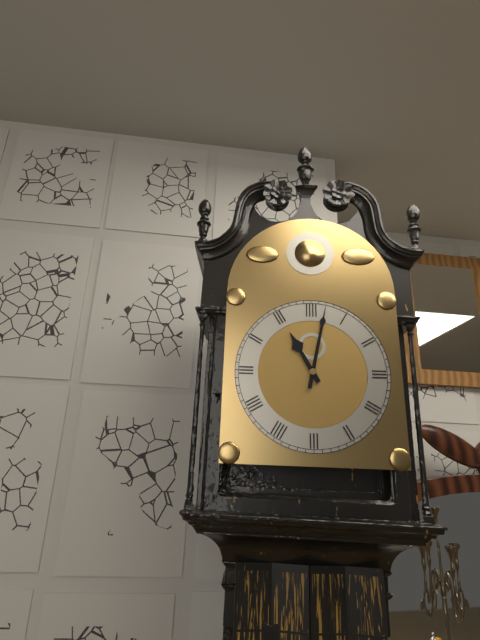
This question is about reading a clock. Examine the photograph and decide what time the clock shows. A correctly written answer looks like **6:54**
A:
**11:02**
